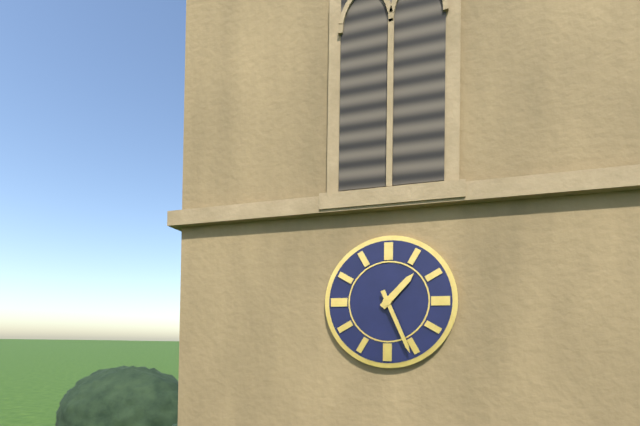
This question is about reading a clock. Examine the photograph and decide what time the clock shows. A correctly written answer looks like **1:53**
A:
**1:26**
